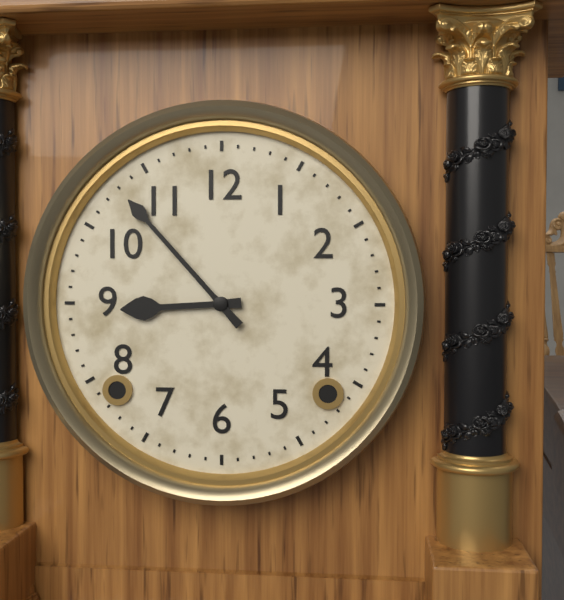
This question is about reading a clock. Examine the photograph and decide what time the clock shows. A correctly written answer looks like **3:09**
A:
**8:53**
